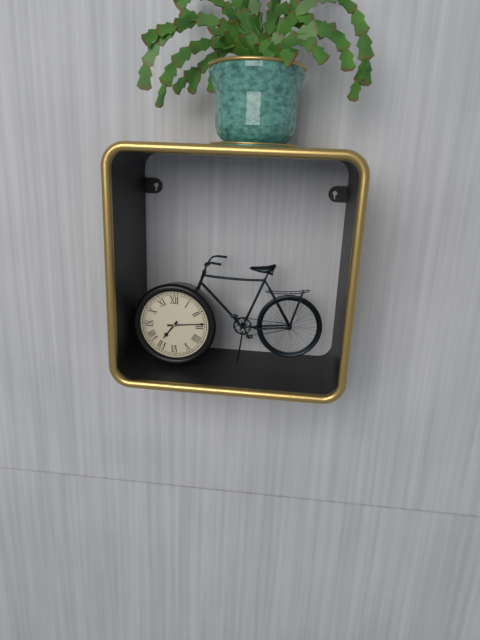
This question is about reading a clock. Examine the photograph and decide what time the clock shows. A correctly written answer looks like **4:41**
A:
**7:14**
